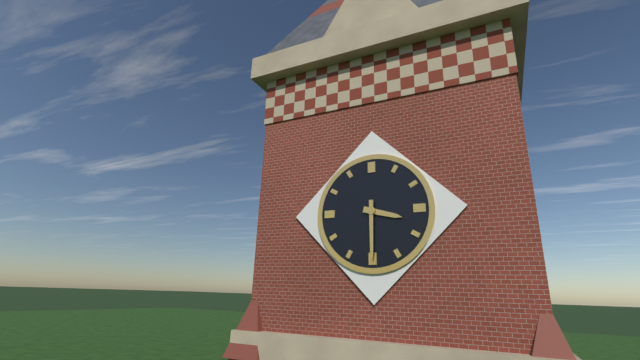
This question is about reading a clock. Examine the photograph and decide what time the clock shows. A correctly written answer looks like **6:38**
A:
**3:30**
